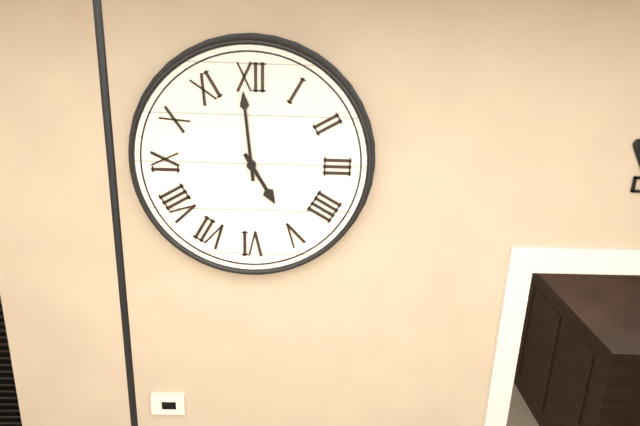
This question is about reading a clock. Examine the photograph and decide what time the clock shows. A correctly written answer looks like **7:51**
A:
**4:59**
